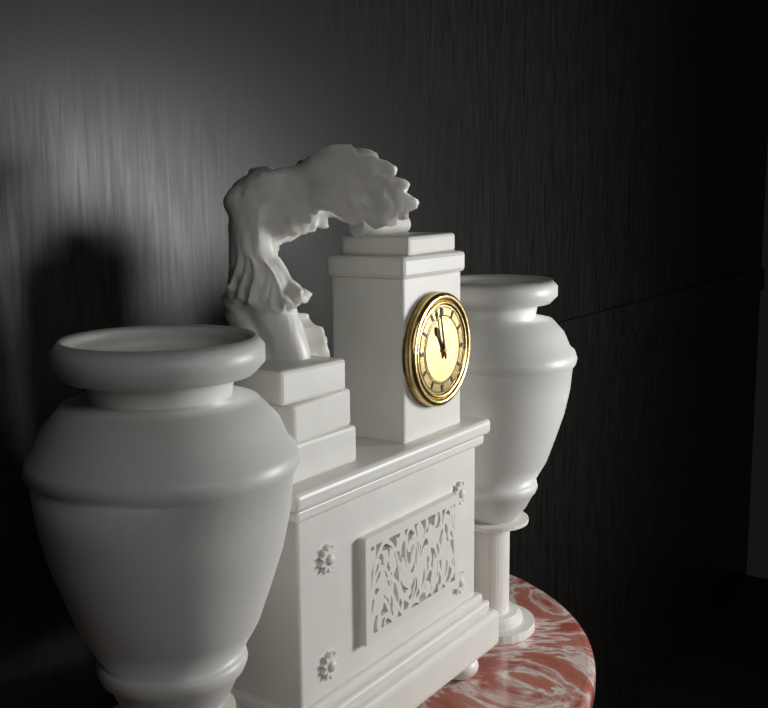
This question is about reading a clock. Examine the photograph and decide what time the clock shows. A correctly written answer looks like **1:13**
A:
**10:58**
